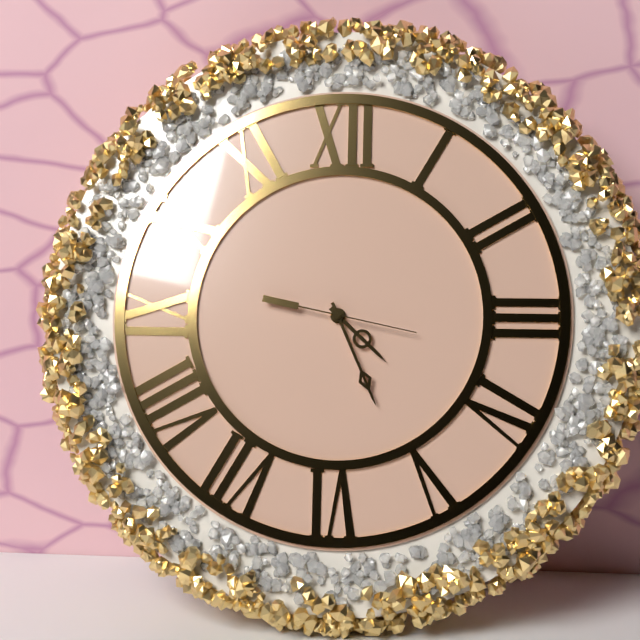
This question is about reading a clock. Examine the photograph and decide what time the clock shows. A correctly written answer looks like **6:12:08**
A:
**4:26:17**
